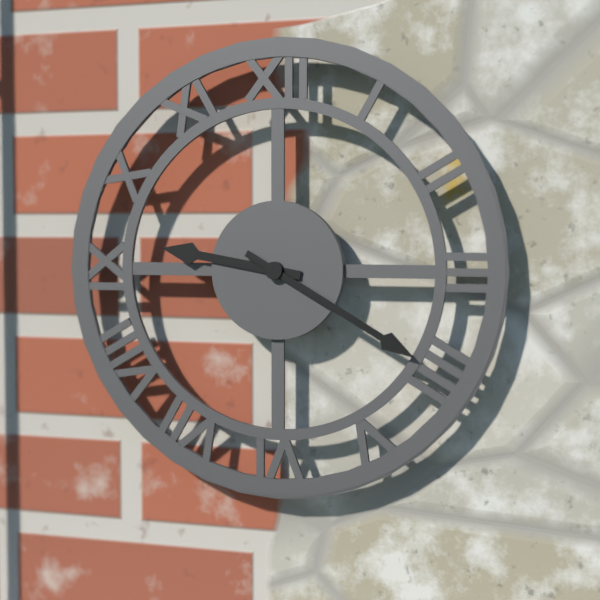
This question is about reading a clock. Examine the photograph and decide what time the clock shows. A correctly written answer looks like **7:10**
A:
**9:20**
